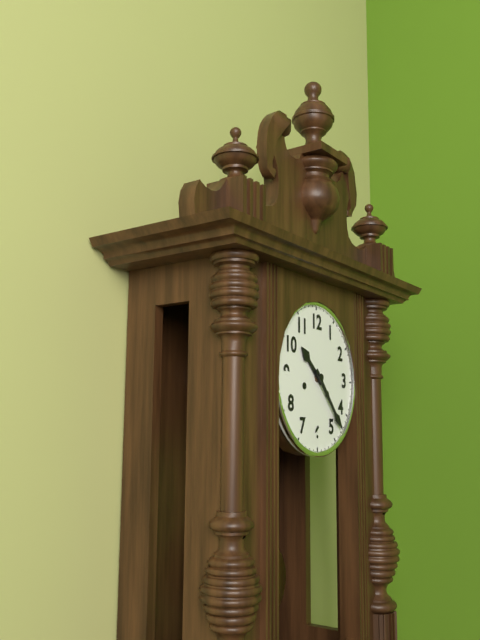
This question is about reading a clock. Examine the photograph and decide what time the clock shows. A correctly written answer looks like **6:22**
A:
**10:23**
